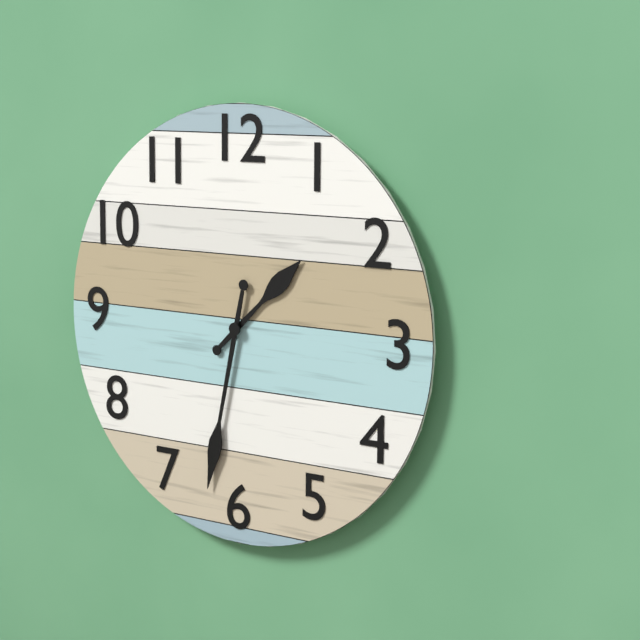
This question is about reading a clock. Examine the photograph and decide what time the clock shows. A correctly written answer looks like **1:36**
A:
**1:32**
